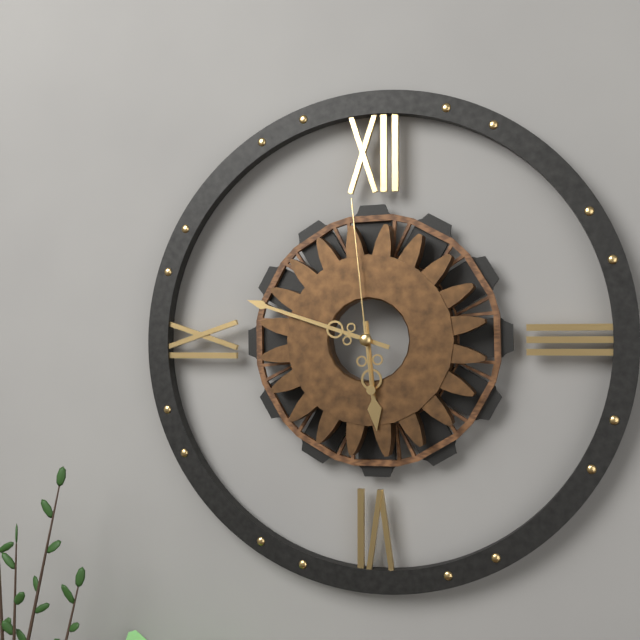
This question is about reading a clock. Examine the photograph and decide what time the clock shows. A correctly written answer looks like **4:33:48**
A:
**5:48:59**
